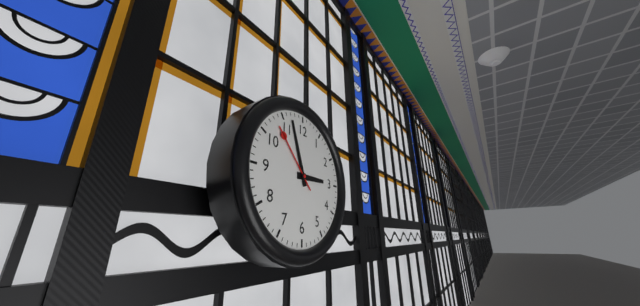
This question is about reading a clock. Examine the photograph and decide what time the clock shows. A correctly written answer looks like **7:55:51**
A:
**2:57:53**
